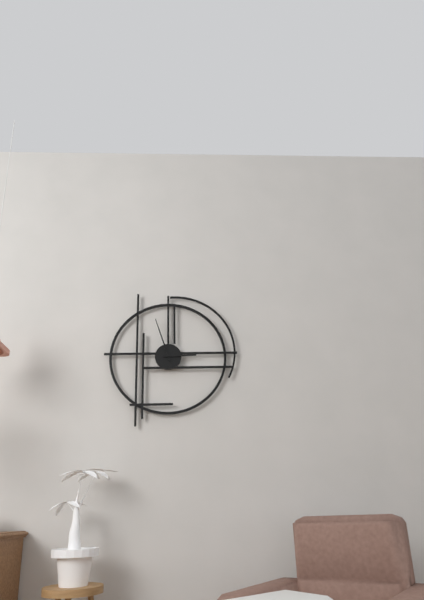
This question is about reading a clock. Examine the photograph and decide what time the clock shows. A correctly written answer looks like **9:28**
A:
**2:57**
